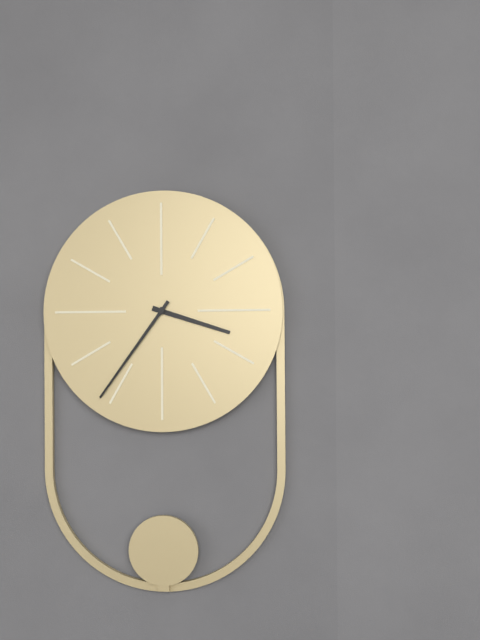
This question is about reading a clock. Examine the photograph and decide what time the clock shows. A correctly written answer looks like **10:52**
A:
**3:36**
